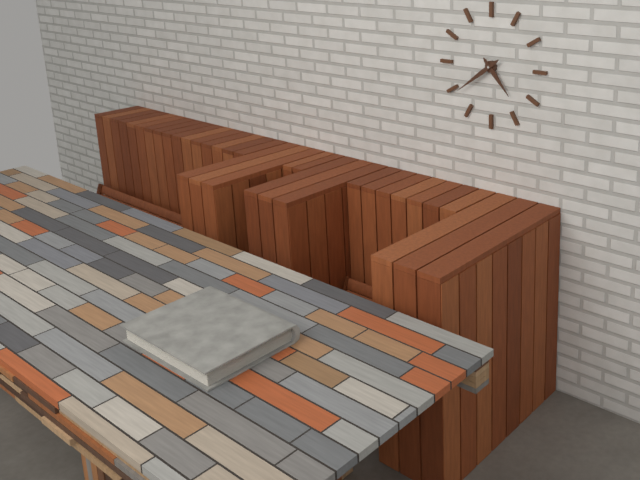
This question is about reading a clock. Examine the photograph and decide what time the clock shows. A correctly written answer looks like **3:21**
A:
**4:39**
